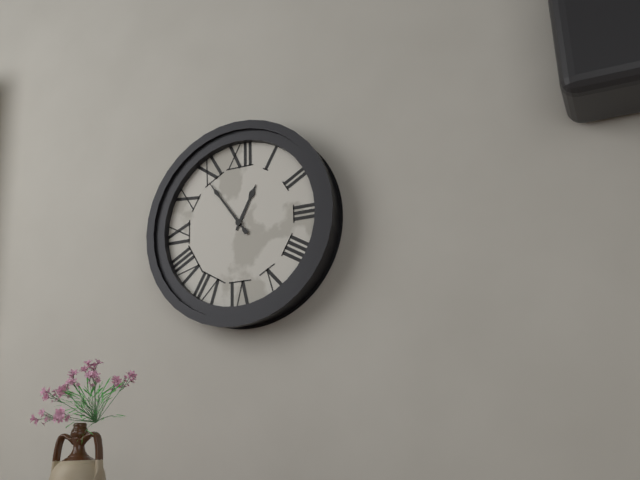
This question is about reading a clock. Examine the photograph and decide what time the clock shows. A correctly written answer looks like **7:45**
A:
**12:54**
